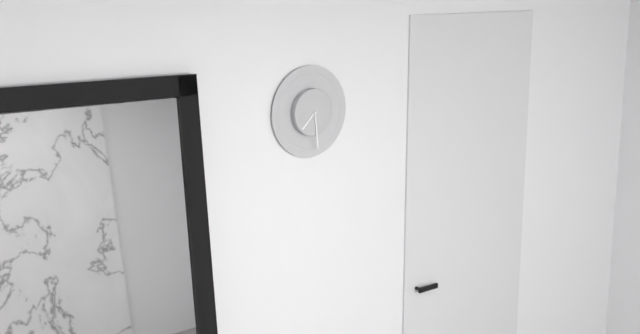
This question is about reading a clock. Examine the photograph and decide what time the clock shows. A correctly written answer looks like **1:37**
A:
**7:29**
